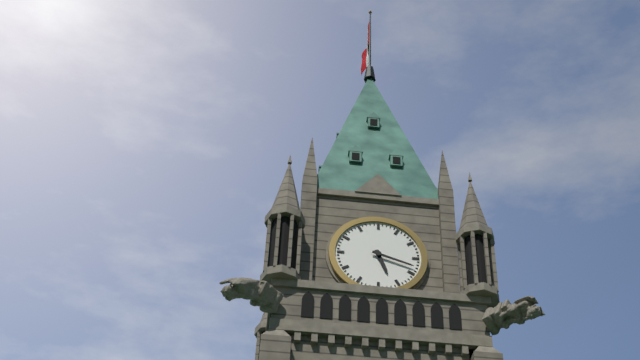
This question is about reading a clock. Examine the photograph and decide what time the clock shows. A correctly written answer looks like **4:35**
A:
**5:18**
